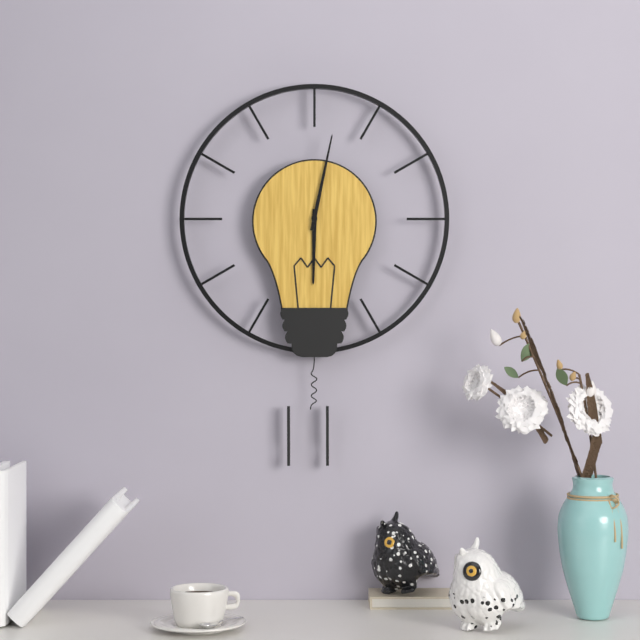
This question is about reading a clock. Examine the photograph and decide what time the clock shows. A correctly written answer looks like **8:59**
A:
**6:02**
